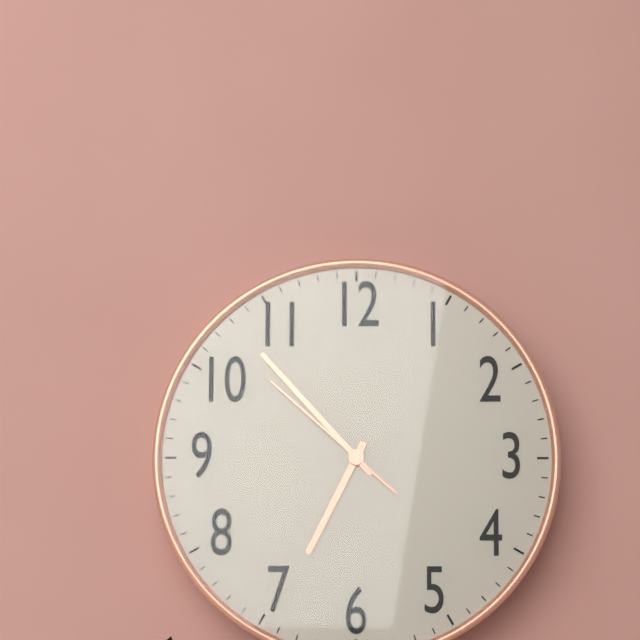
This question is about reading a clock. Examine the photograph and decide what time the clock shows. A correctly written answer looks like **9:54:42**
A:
**6:53:52**
